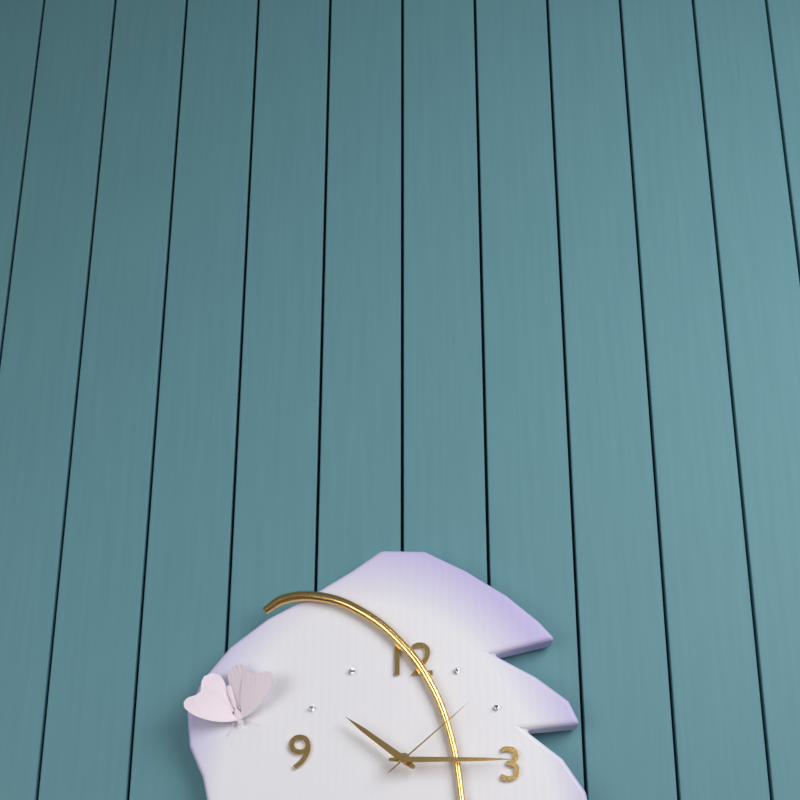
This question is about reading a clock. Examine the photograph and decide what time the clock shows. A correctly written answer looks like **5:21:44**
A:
**10:15:08**
